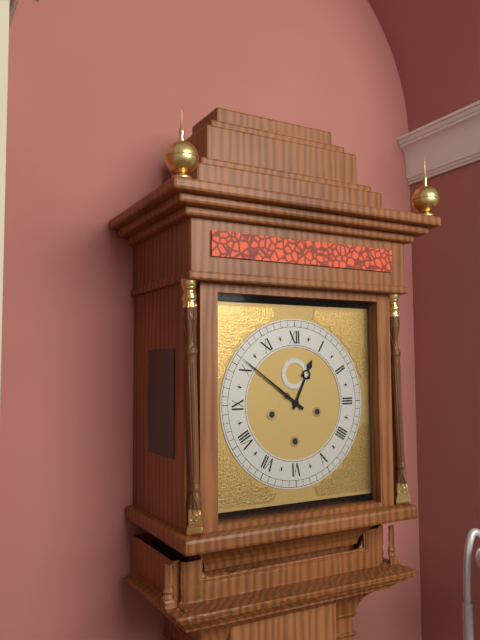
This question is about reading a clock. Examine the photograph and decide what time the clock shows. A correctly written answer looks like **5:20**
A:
**12:51**
